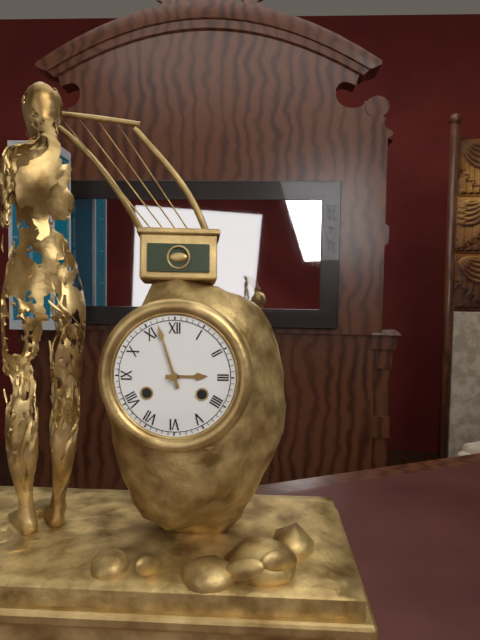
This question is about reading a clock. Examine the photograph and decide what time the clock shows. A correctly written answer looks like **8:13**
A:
**2:57**
